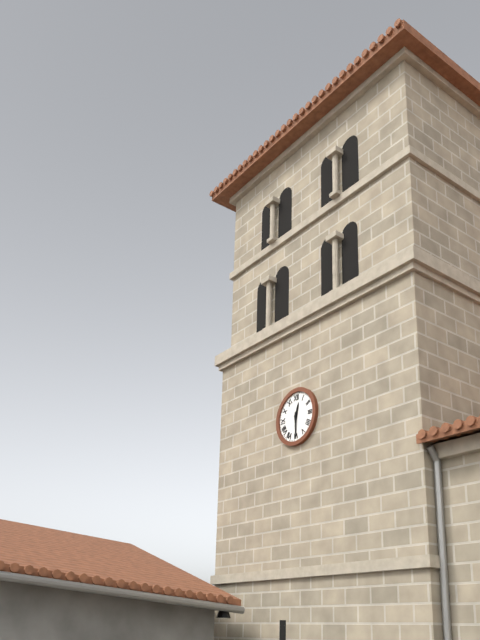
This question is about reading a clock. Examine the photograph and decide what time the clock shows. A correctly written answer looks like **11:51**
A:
**12:30**
